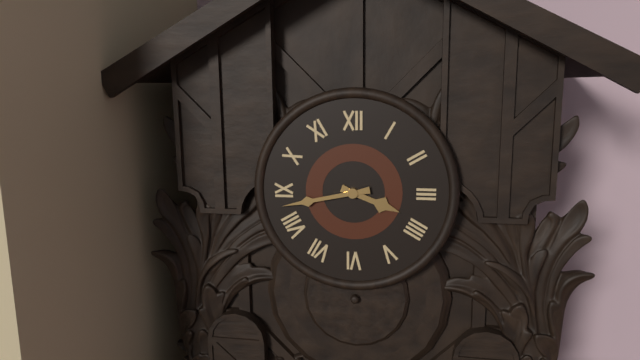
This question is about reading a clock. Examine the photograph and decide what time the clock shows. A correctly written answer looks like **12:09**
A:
**3:43**
